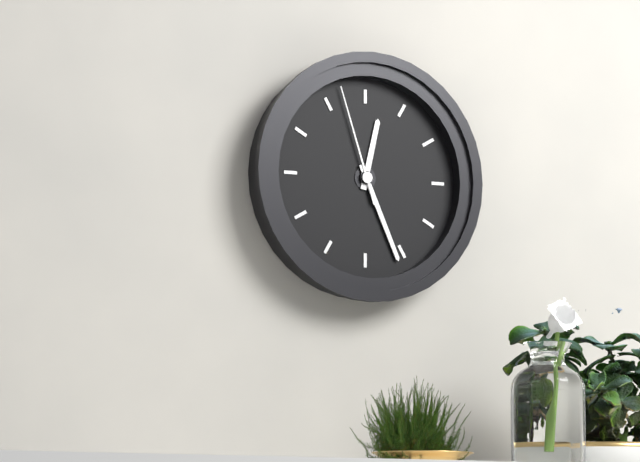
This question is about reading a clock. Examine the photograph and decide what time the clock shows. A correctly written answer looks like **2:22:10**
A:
**12:26:57**
